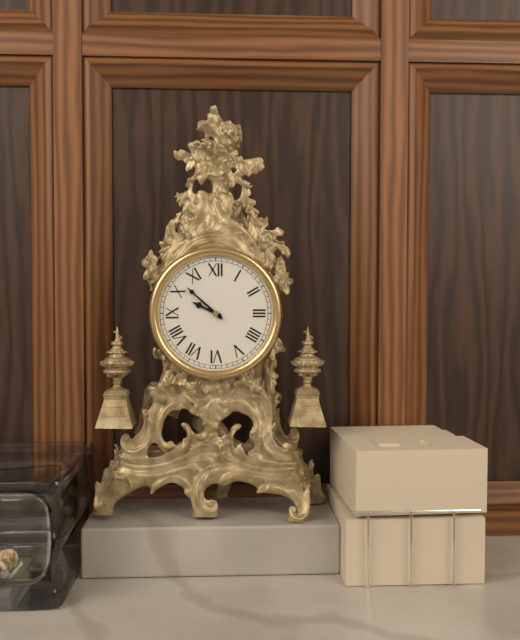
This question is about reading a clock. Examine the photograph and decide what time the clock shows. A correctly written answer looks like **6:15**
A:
**9:52**
